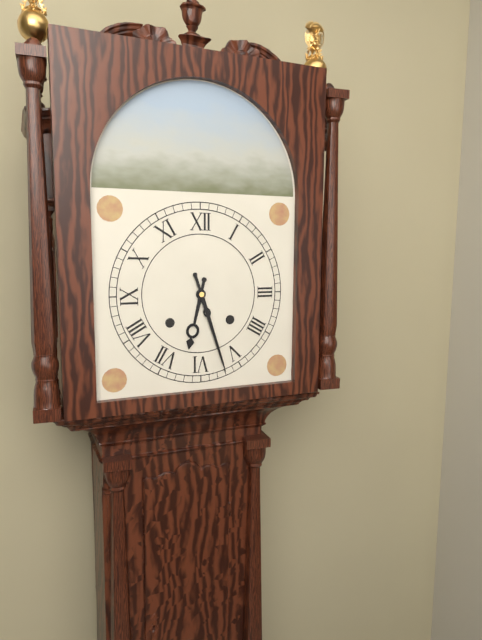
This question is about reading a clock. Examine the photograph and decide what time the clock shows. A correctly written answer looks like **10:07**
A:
**6:27**
